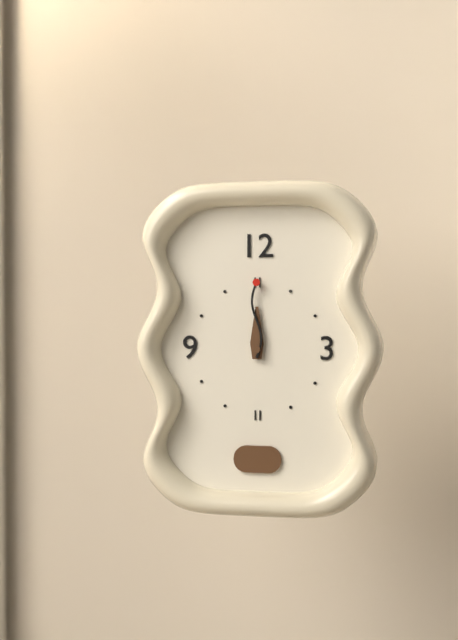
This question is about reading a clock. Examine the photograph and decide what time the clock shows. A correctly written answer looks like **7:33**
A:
**12:00**
